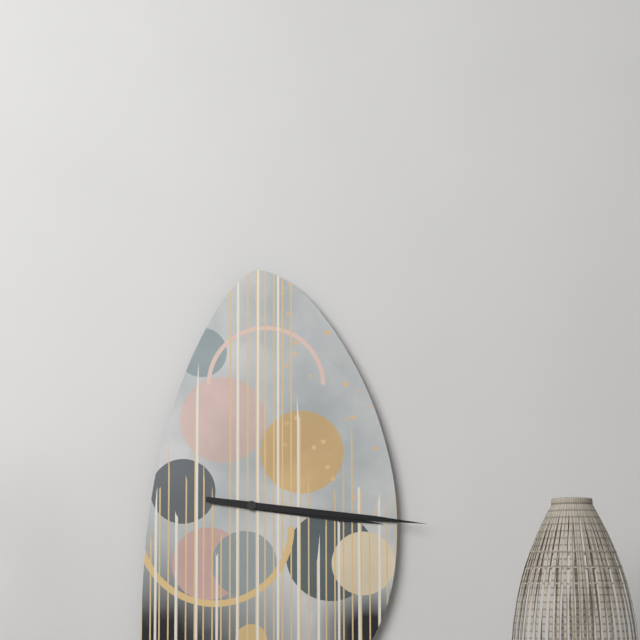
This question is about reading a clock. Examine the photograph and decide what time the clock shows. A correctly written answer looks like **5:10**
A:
**3:16**
